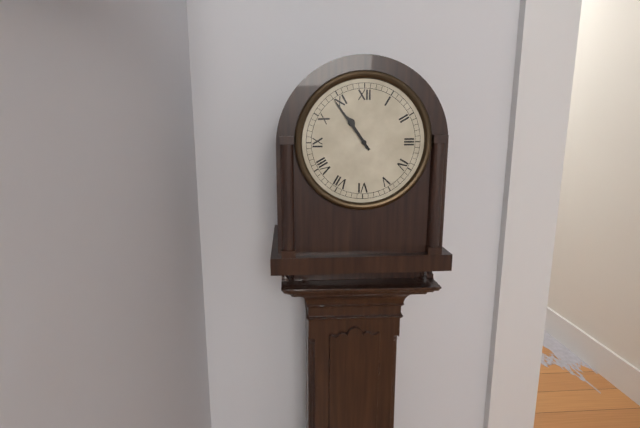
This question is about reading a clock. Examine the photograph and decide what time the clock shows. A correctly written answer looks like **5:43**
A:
**10:54**
